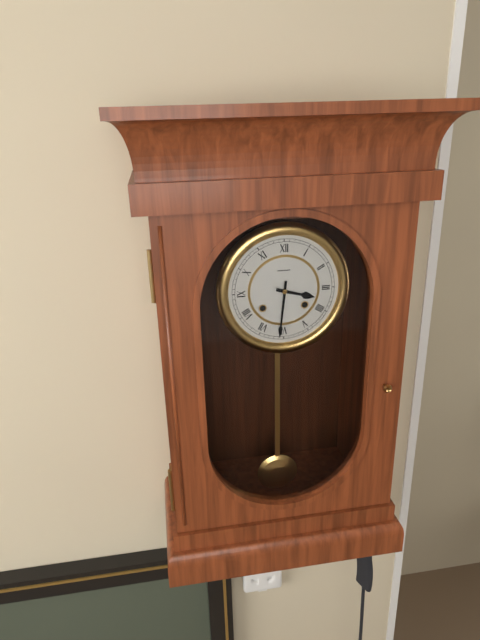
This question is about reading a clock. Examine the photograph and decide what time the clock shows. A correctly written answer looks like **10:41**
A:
**3:31**
